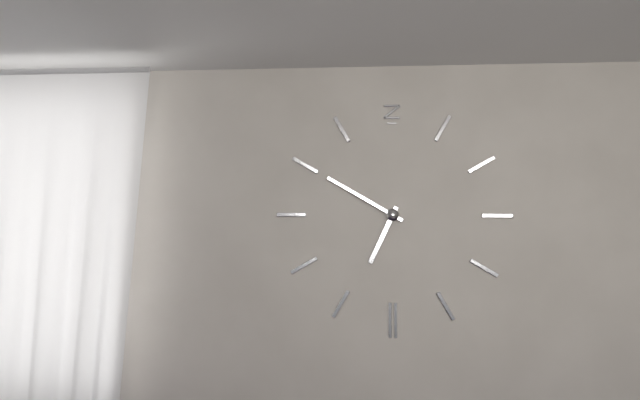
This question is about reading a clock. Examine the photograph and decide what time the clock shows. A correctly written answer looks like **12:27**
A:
**6:50**
